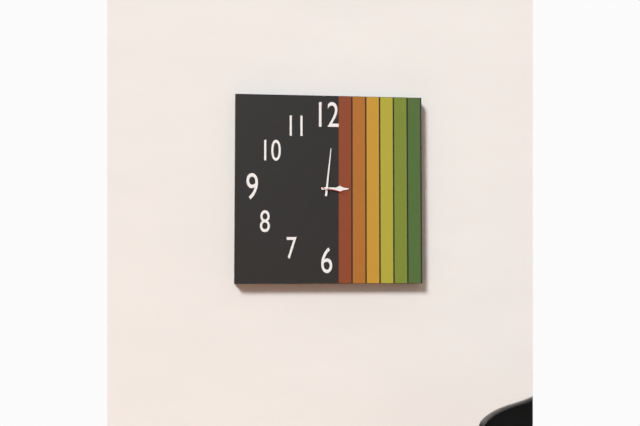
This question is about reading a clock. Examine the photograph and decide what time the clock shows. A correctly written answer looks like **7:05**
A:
**3:01**
